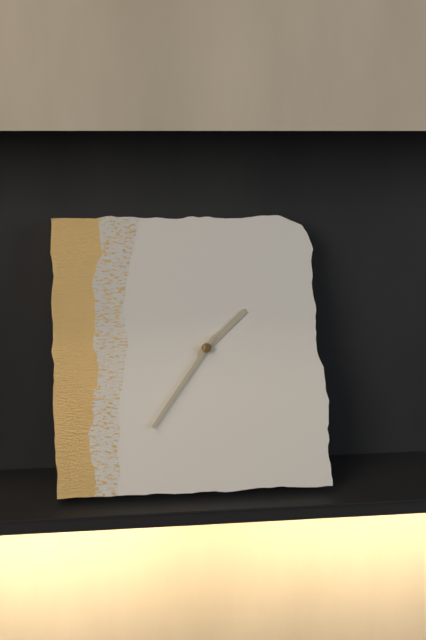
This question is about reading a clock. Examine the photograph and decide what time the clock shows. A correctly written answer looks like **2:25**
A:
**1:36**
